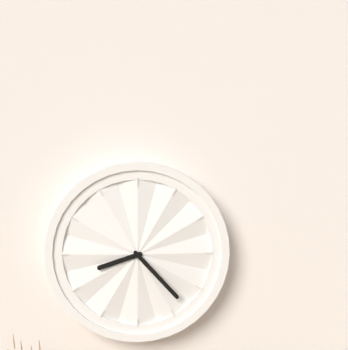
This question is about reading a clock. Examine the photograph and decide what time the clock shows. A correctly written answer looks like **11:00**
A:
**8:23**
